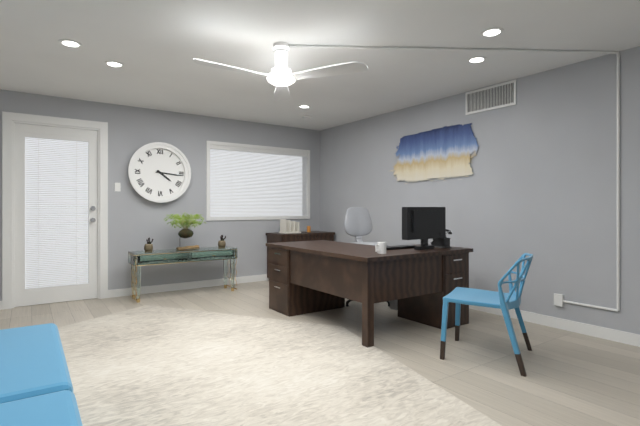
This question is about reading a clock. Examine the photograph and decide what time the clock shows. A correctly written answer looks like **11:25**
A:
**4:16**
